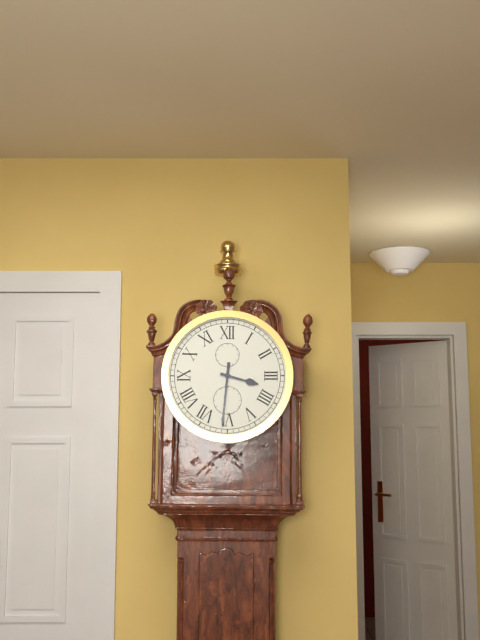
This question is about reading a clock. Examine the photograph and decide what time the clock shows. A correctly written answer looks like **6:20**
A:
**3:31**
